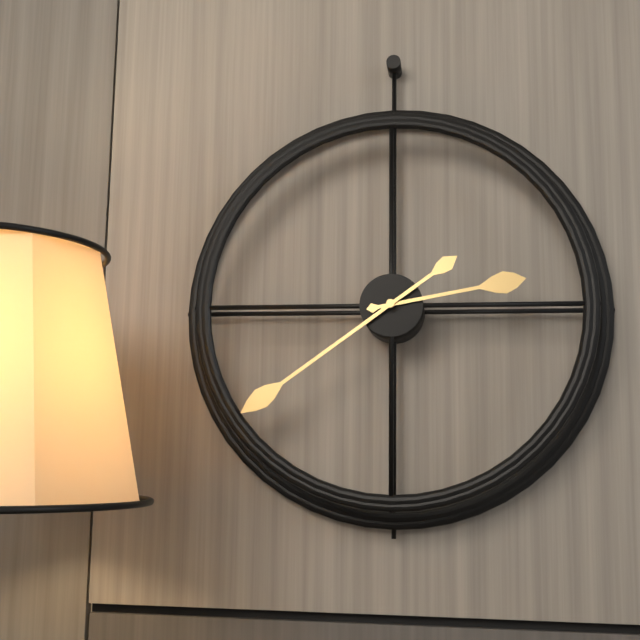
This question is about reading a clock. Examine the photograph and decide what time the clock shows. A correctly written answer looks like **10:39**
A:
**2:39**
